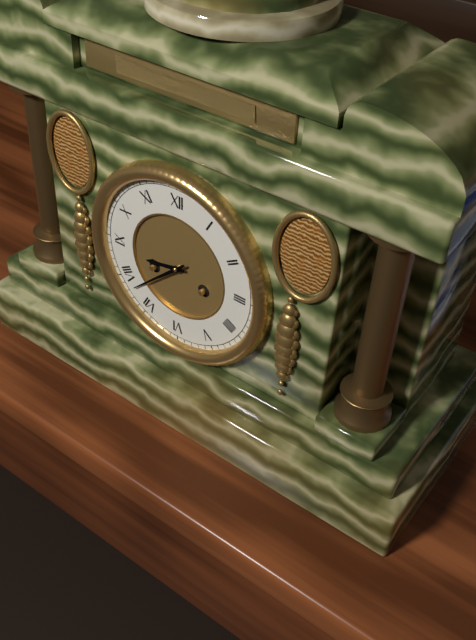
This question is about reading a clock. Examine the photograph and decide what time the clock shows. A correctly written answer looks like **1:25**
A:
**8:38**
